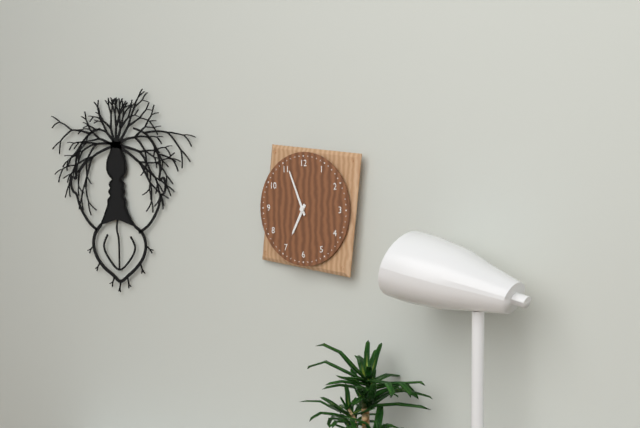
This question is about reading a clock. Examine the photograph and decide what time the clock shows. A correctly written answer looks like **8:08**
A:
**6:56**
